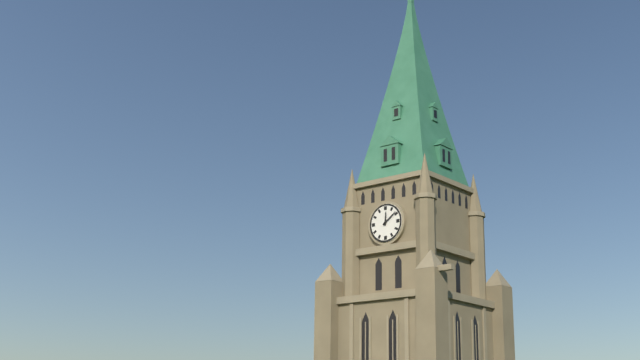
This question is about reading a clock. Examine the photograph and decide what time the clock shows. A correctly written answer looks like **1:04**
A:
**12:09**
